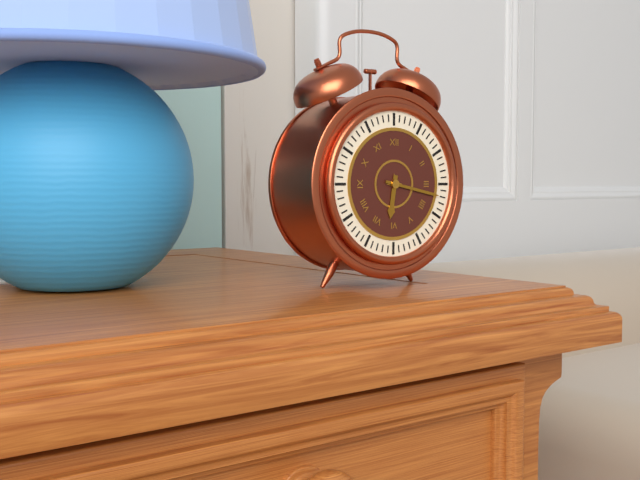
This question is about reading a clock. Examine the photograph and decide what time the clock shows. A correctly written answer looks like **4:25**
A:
**6:17**
